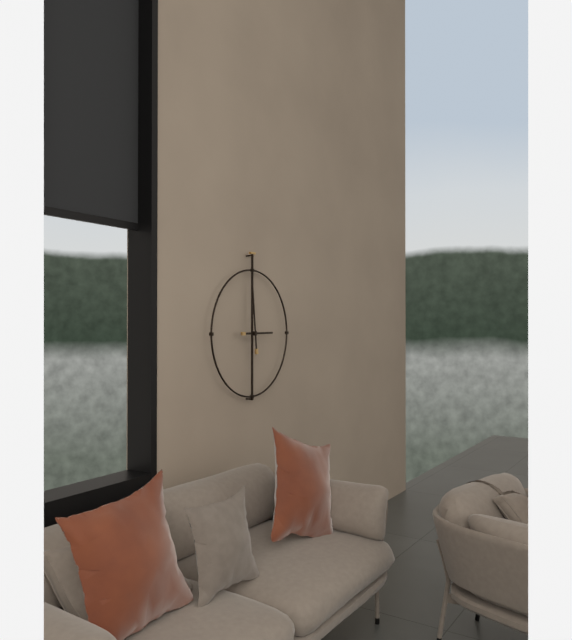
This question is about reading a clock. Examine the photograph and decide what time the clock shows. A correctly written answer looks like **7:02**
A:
**2:59**
